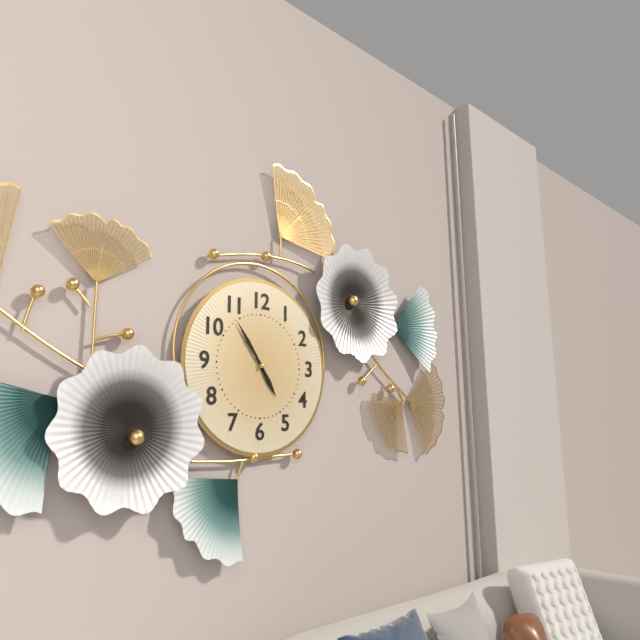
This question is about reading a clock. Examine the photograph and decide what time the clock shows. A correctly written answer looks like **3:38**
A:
**4:54**
